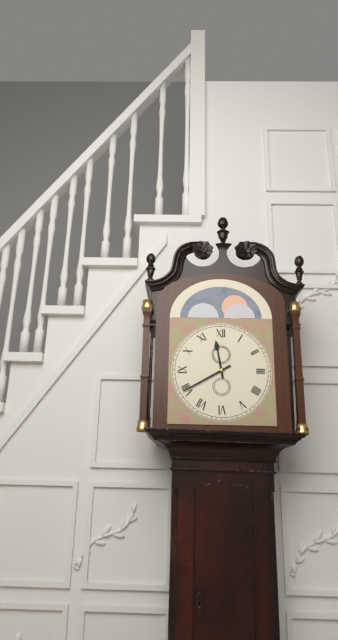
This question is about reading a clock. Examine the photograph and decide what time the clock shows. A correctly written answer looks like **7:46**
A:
**11:40**
